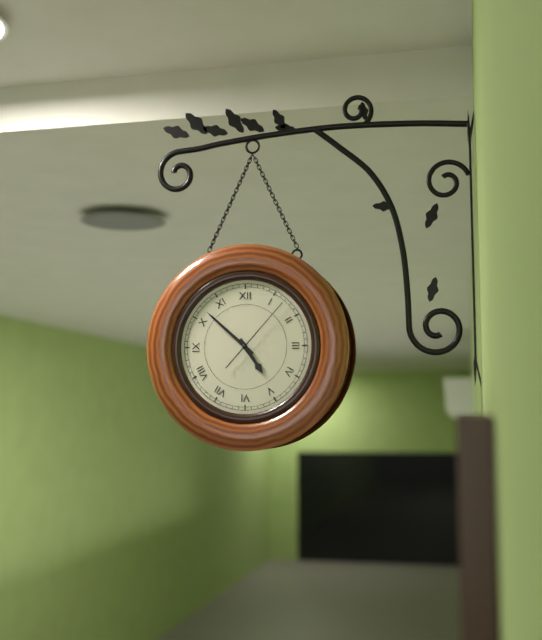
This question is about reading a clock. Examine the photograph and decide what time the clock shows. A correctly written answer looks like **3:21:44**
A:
**4:52:07**
